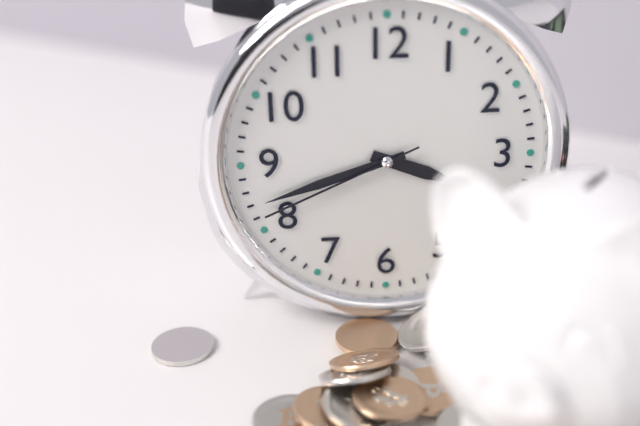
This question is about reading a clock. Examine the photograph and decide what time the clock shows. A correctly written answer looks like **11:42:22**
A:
**3:42:41**
